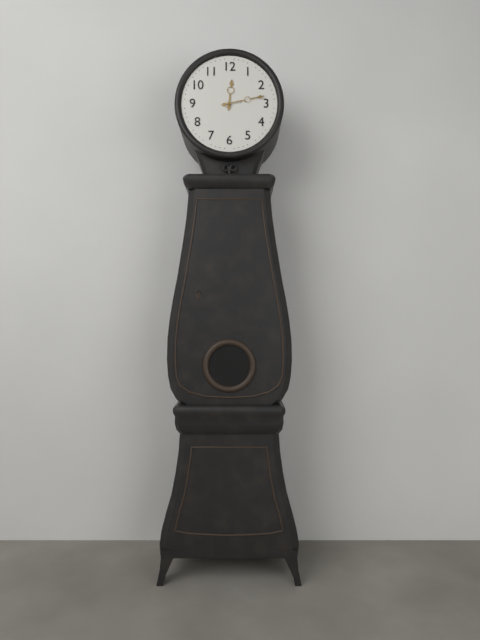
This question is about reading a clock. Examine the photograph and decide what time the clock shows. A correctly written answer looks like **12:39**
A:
**12:13**
